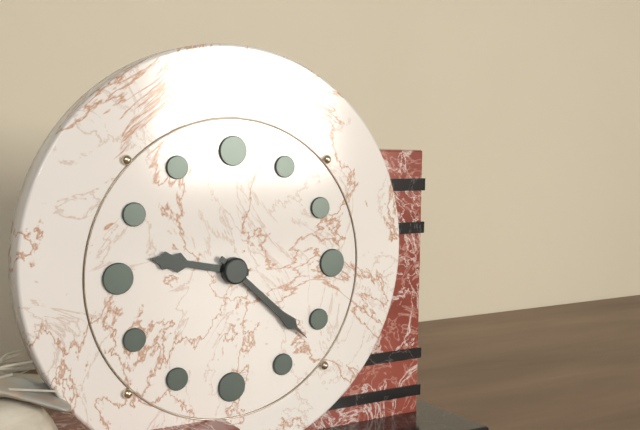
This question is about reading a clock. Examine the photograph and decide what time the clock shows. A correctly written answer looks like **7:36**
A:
**9:22**
